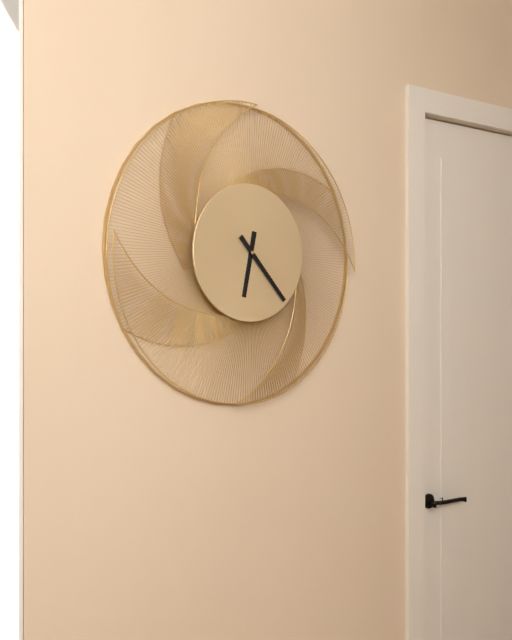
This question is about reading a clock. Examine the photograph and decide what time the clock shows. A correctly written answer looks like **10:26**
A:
**6:23**
